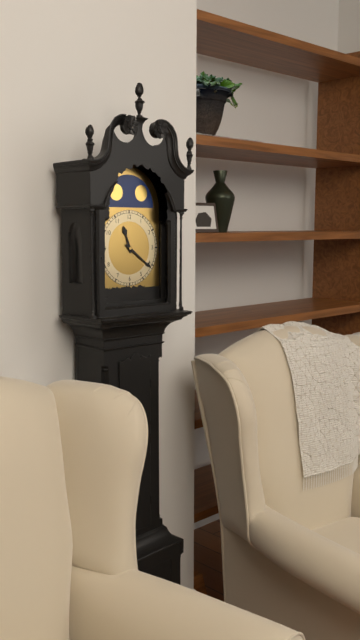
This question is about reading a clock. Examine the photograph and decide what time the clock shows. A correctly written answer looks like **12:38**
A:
**11:21**
